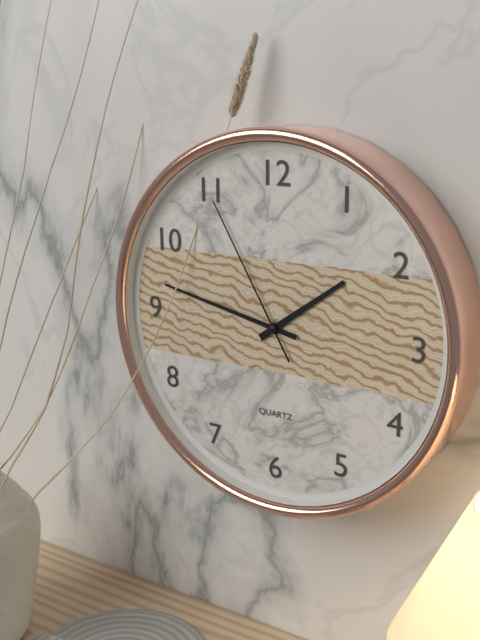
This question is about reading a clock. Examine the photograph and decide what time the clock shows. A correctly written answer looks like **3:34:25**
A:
**1:47:55**
